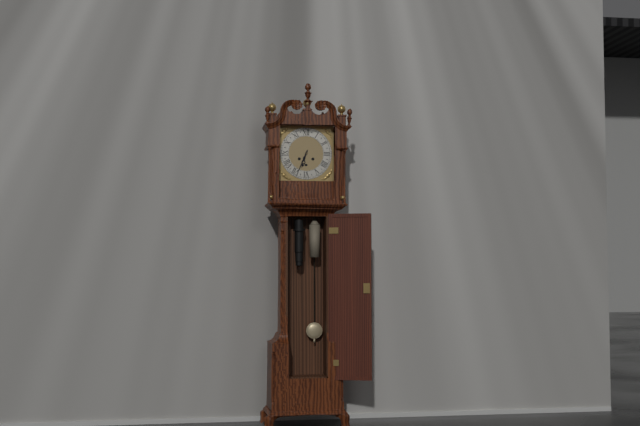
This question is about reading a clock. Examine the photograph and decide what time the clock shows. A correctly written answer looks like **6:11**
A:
**6:34**
